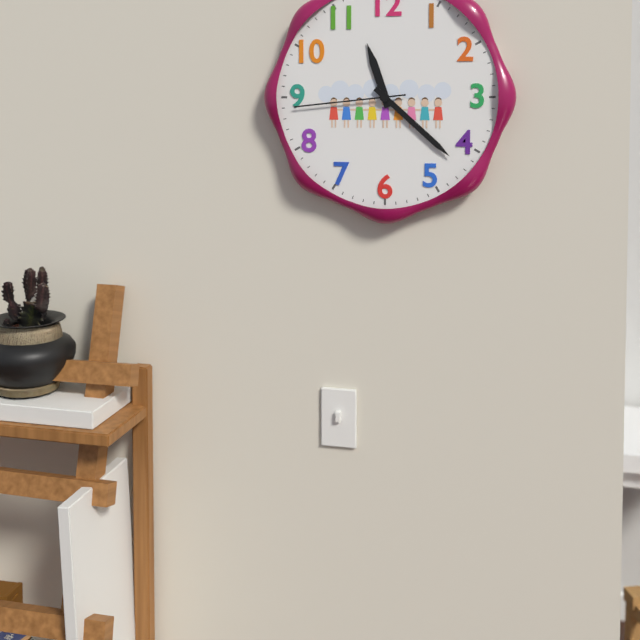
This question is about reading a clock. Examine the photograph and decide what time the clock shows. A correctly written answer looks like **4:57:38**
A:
**11:22:44**
